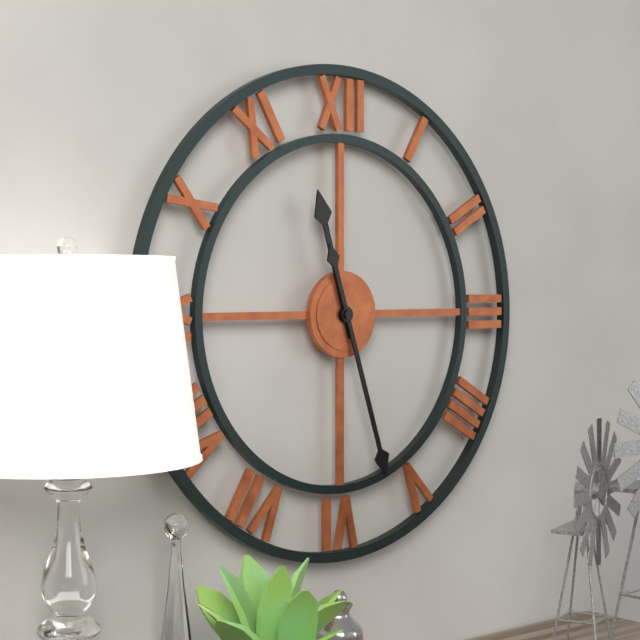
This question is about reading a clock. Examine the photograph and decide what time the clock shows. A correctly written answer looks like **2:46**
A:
**11:27**
